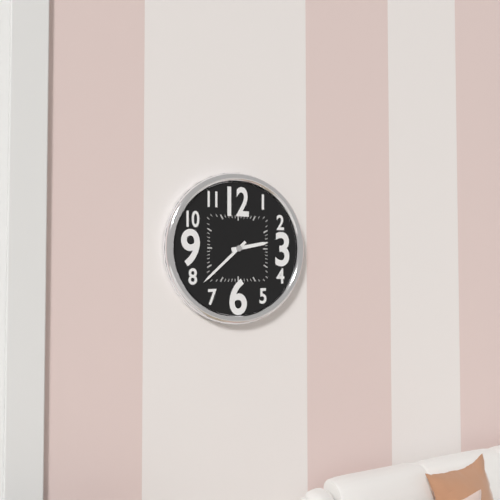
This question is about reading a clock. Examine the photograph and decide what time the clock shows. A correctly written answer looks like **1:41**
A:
**2:38**
